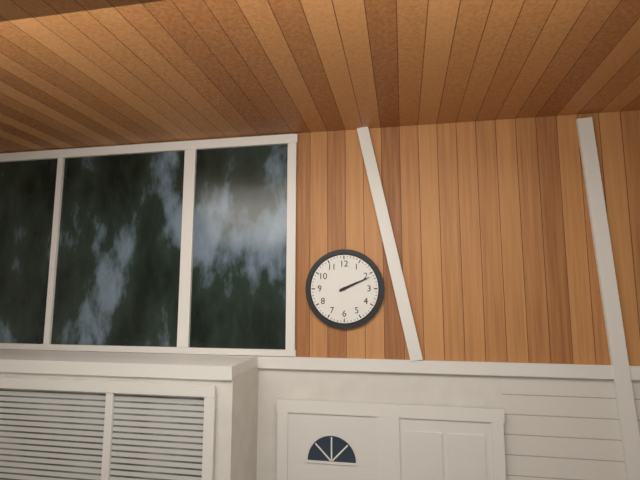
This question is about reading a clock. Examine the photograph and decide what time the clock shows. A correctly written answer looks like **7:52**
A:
**2:11**
